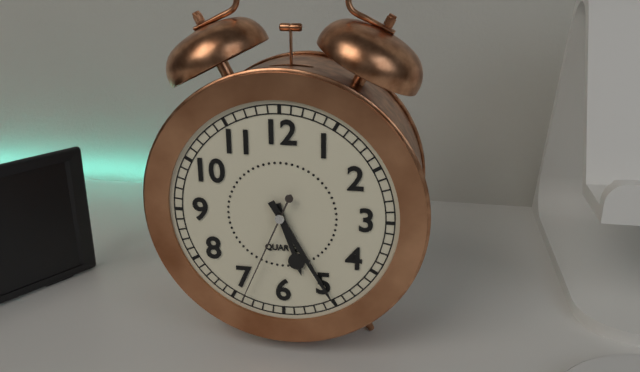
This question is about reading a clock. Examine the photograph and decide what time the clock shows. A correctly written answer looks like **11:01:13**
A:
**5:25:34**
